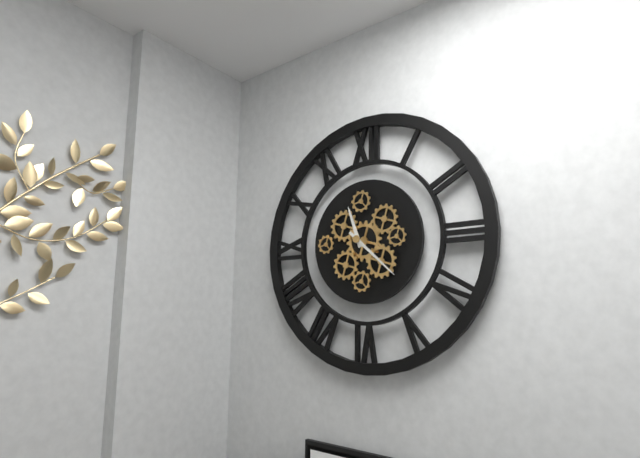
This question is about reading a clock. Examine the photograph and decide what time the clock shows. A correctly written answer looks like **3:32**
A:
**11:22**
